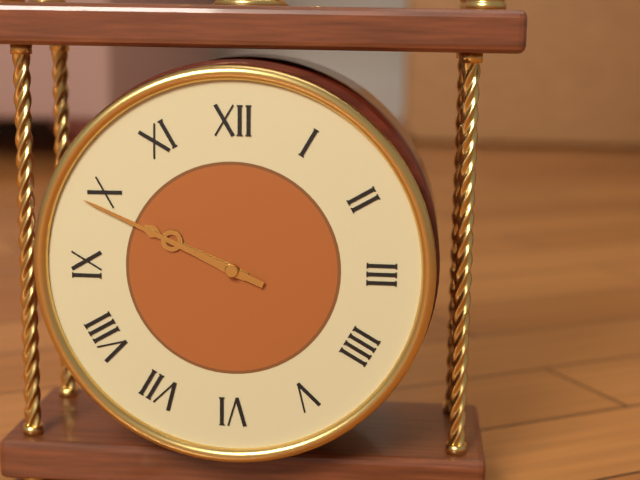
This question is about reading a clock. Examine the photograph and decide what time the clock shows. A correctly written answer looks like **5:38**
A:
**9:49**
